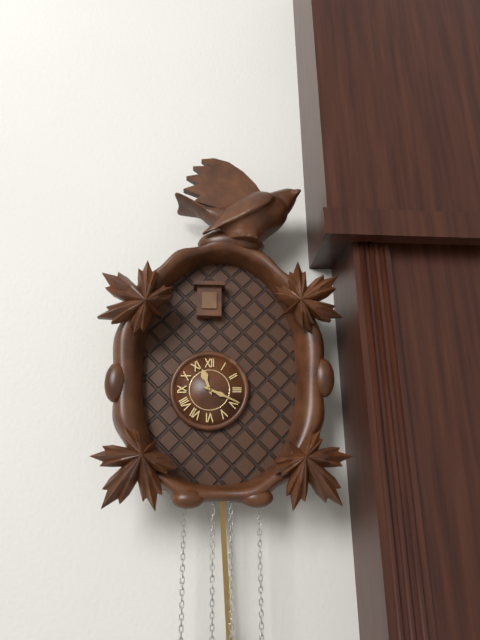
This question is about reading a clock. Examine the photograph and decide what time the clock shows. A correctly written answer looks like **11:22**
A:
**11:19**
